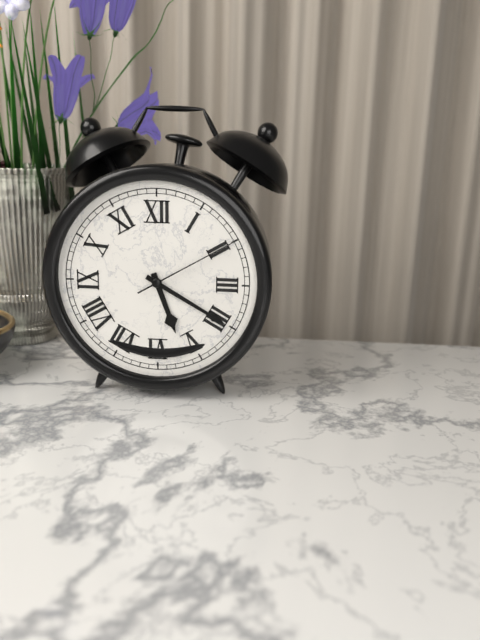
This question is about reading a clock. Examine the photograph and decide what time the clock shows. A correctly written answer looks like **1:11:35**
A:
**5:20:10**
